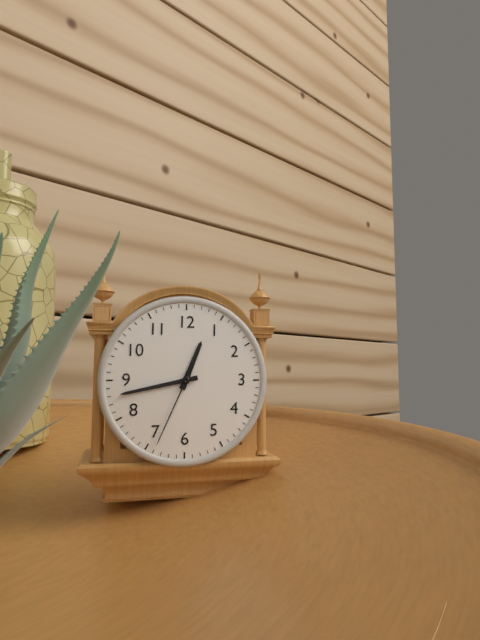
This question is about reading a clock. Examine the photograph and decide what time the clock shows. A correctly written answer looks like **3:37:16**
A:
**12:43:34**
